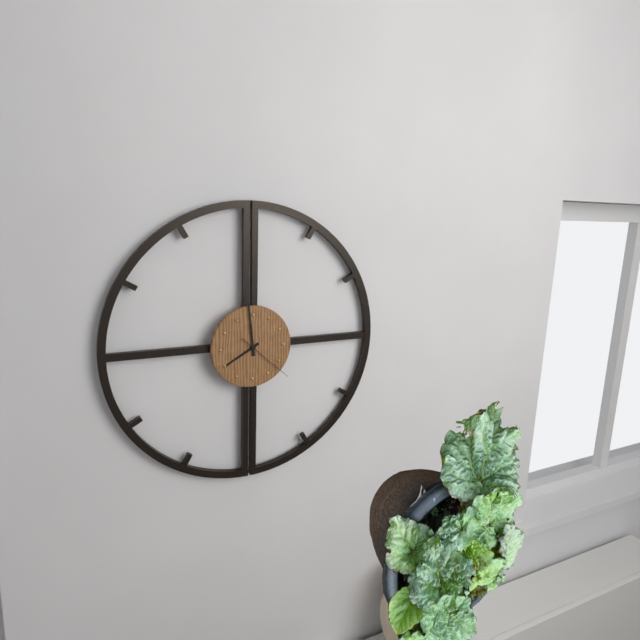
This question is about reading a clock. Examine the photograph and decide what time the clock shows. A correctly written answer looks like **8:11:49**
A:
**7:59:22**
